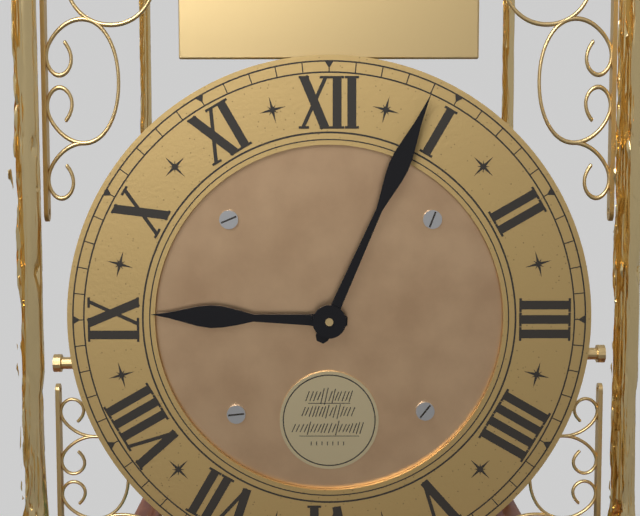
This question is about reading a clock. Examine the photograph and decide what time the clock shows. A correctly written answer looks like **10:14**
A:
**9:04**
